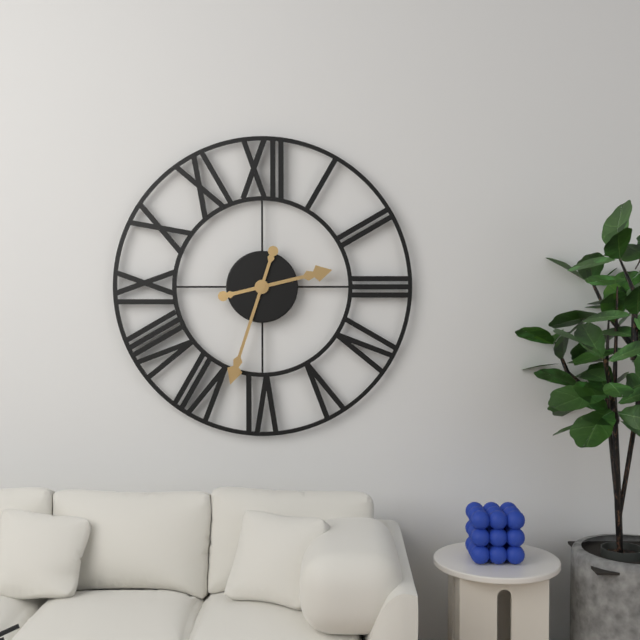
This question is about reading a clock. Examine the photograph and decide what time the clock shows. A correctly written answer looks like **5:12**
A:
**2:33**
